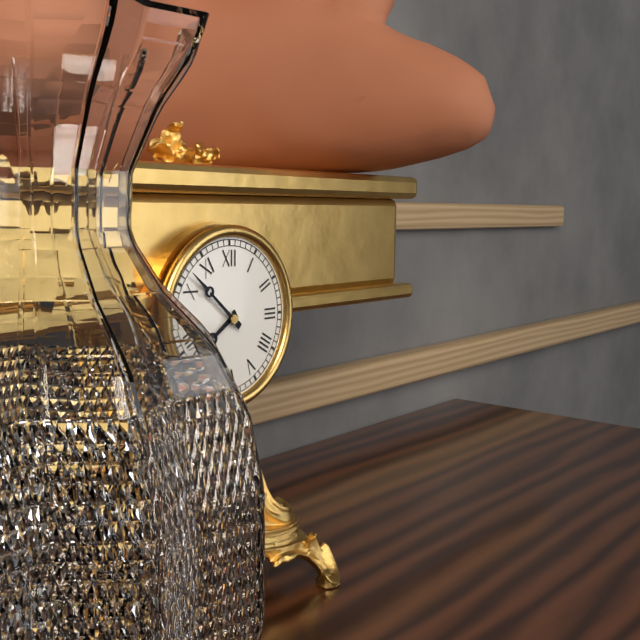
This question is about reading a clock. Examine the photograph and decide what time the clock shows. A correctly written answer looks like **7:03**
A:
**7:52**
